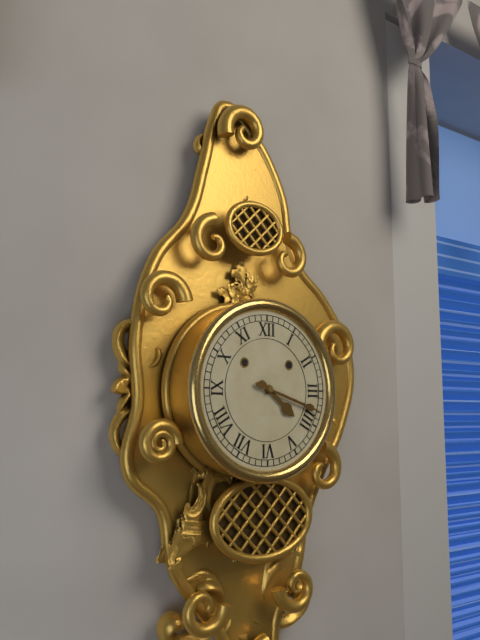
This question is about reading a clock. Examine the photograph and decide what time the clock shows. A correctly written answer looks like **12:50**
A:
**4:18**
